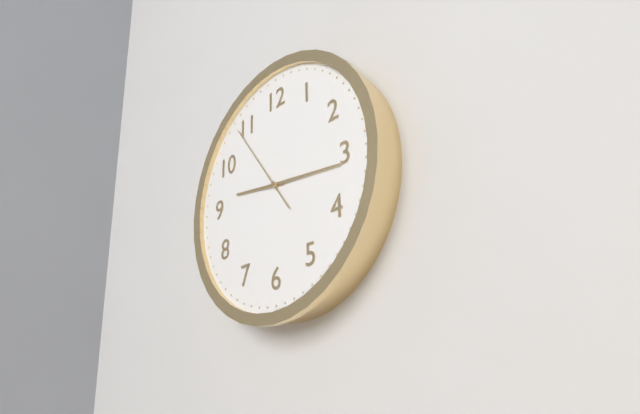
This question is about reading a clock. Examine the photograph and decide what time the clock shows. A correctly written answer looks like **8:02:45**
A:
**9:16:54**
